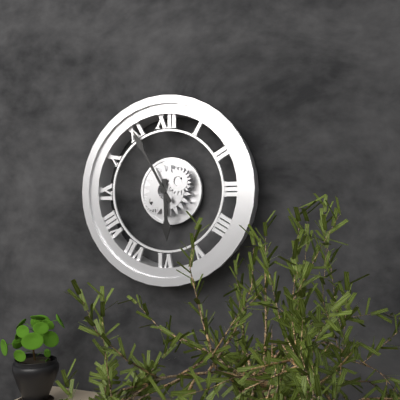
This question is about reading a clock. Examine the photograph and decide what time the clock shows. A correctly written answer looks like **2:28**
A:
**5:55**
